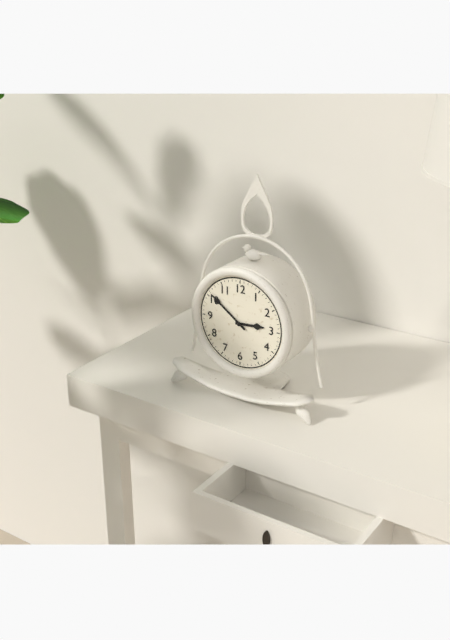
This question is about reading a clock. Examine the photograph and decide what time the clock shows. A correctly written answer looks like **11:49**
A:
**2:51**
